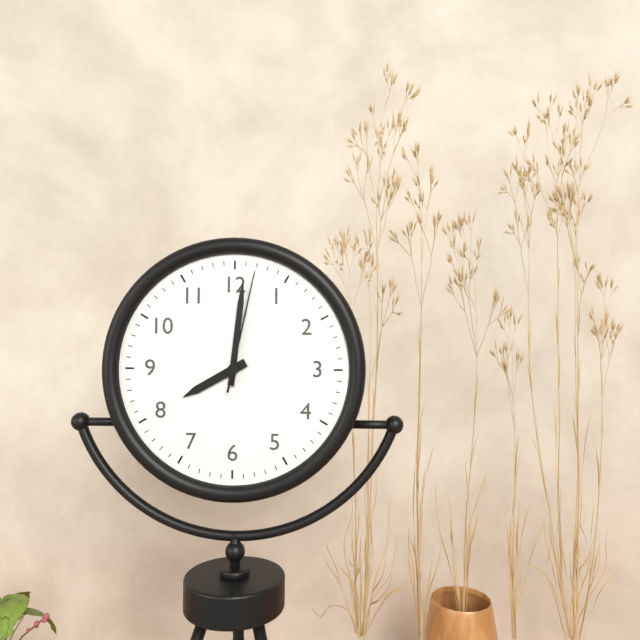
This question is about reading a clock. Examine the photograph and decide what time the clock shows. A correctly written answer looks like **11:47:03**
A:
**8:01:02**
